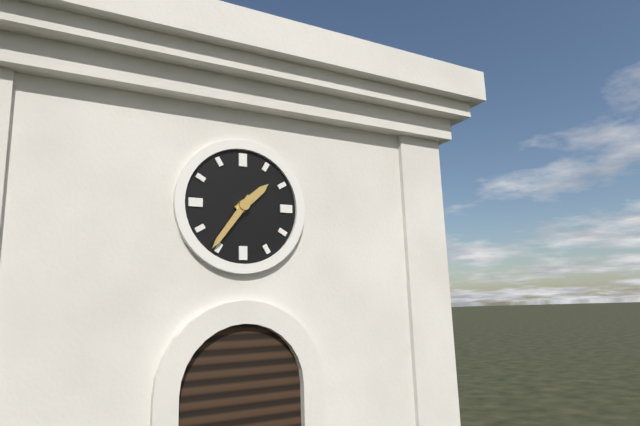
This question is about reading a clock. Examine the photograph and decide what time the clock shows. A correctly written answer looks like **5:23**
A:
**1:36**
